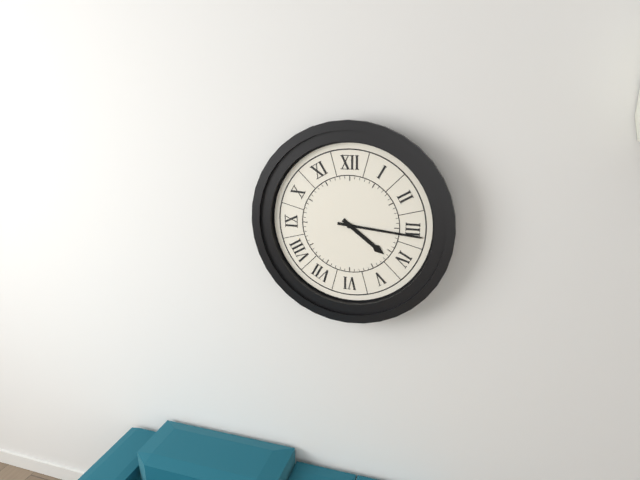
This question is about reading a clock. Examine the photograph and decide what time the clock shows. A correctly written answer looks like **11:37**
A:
**4:16**
